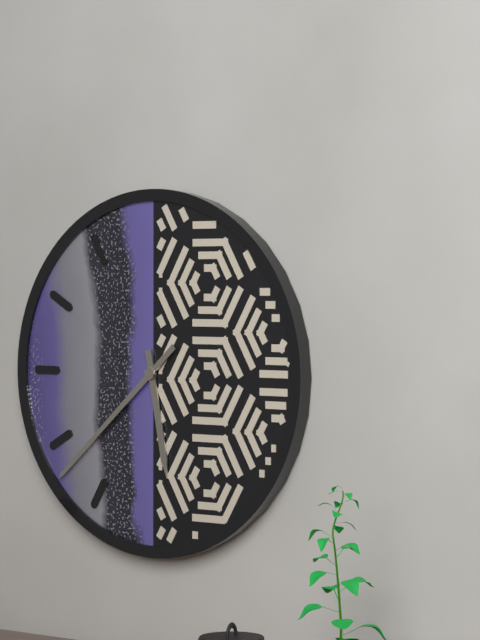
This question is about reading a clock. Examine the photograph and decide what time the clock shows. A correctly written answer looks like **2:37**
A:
**5:38**
